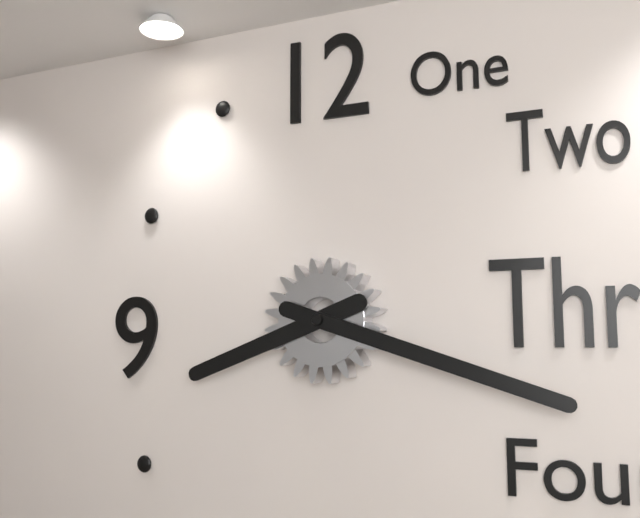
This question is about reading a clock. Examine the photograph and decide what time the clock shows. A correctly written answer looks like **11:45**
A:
**8:18**
